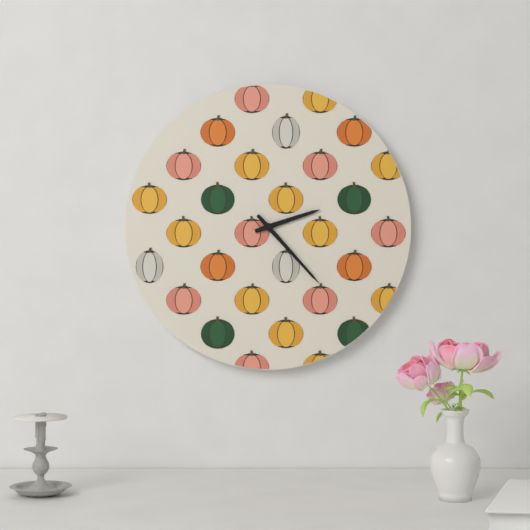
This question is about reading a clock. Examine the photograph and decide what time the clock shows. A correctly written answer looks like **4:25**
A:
**2:23**
